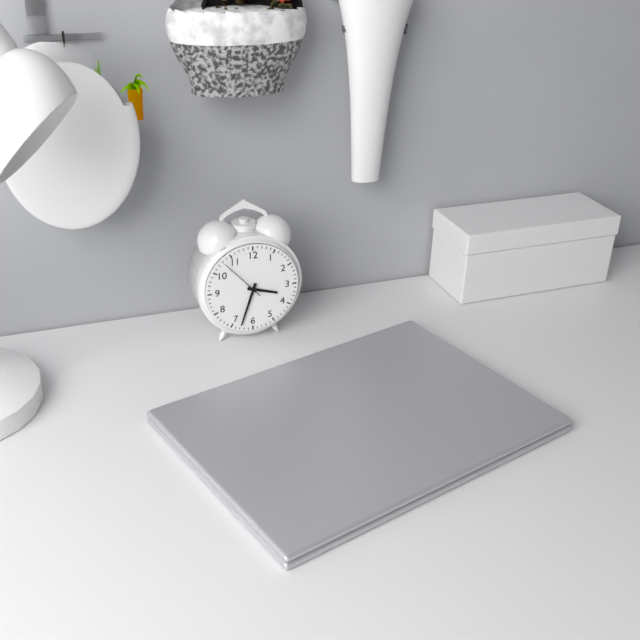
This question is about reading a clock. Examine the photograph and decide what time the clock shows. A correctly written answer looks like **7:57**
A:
**3:33**
